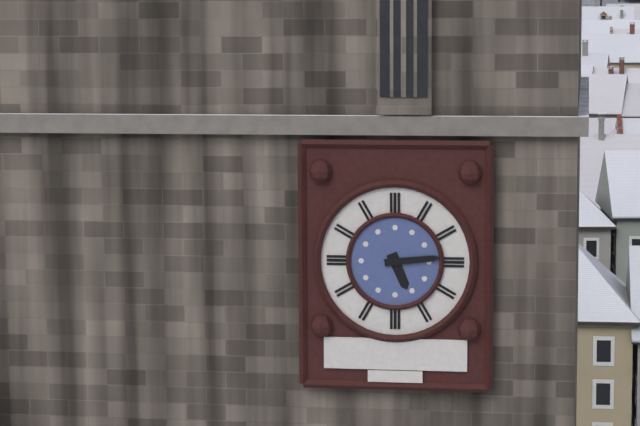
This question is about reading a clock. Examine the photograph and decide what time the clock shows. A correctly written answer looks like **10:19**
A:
**5:14**
